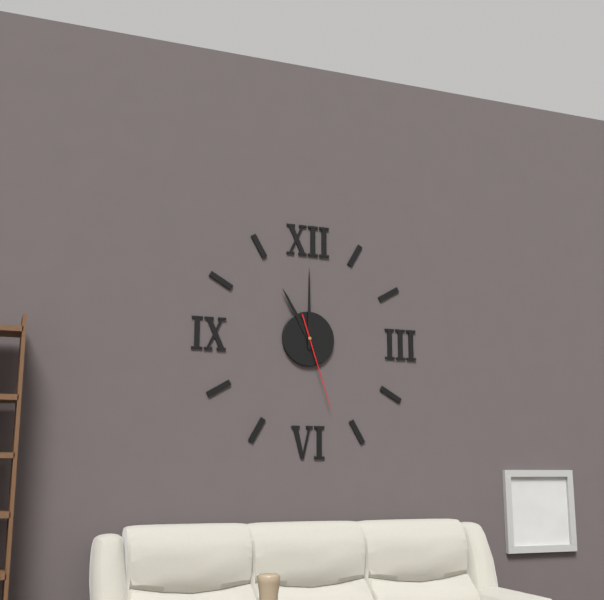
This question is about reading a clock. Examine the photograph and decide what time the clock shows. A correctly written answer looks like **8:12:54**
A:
**11:00:27**
